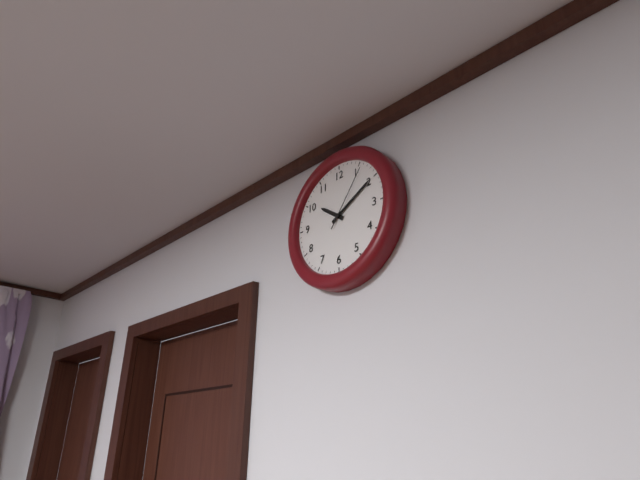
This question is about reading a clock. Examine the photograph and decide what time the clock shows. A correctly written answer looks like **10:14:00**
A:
**10:10:06**
